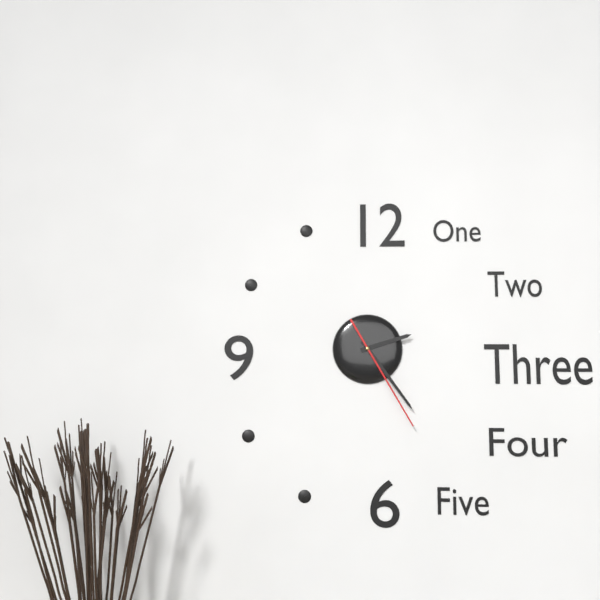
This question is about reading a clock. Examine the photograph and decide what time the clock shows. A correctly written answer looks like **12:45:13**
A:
**2:24:25**
